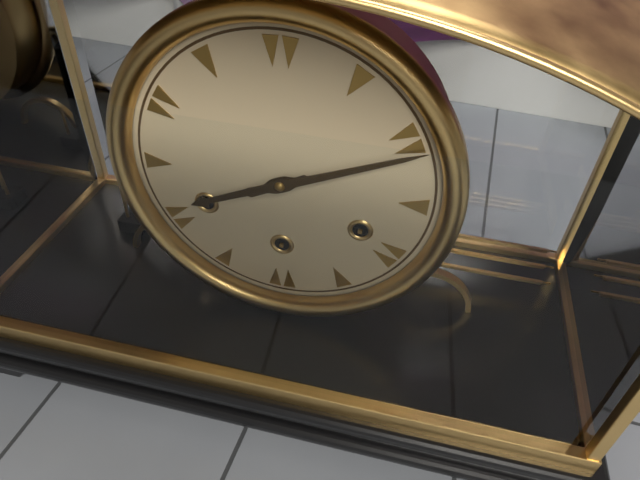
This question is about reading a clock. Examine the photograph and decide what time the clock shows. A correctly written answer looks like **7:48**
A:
**8:11**
